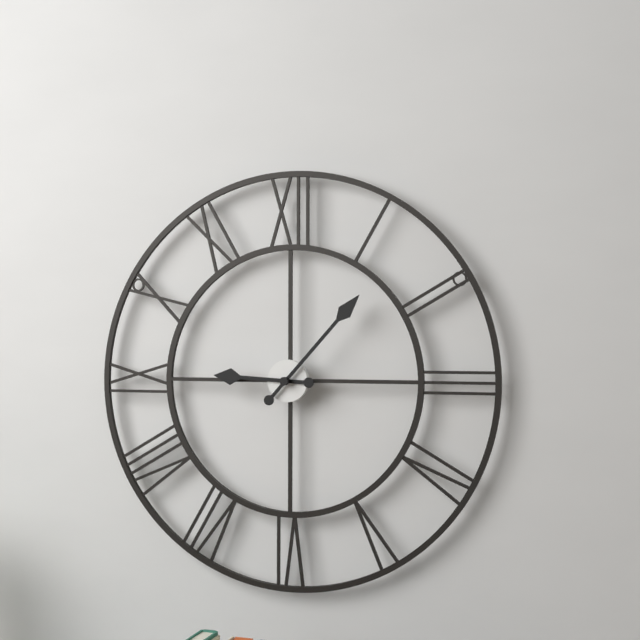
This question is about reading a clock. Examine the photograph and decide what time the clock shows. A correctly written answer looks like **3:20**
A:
**9:07**
